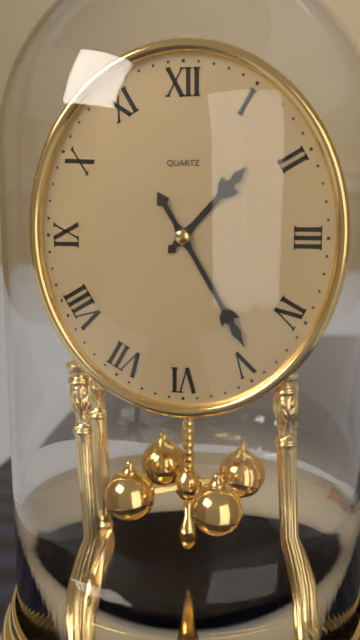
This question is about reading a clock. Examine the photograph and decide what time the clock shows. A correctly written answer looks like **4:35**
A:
**1:25**
